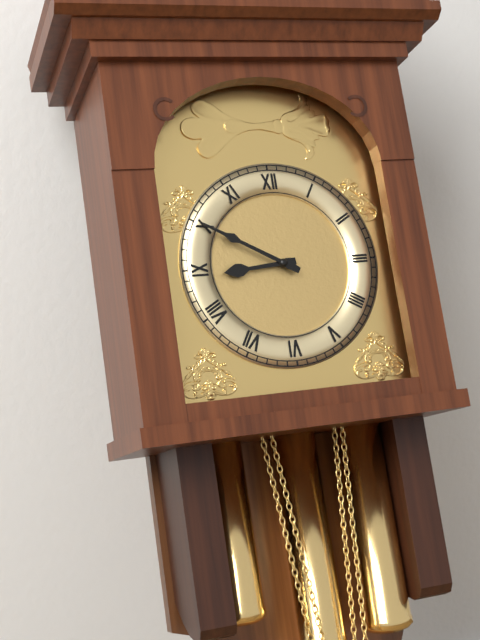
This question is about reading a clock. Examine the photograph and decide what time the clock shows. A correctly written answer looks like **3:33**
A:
**8:50**
